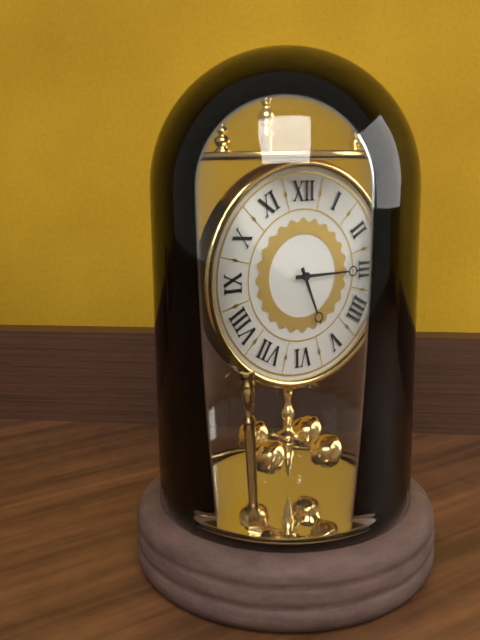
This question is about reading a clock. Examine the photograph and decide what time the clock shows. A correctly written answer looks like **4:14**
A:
**5:15**
